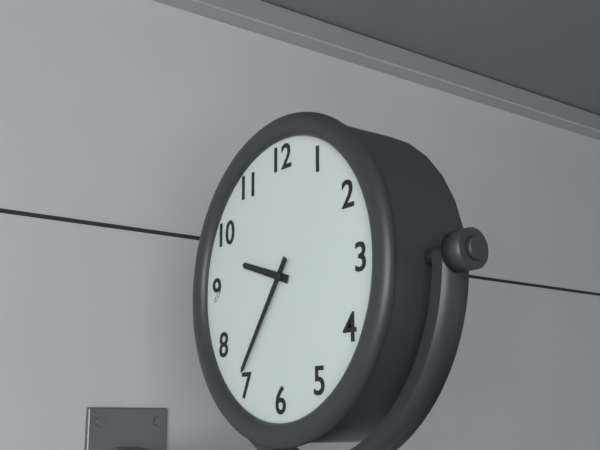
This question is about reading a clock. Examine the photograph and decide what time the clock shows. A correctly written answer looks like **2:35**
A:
**9:36**
